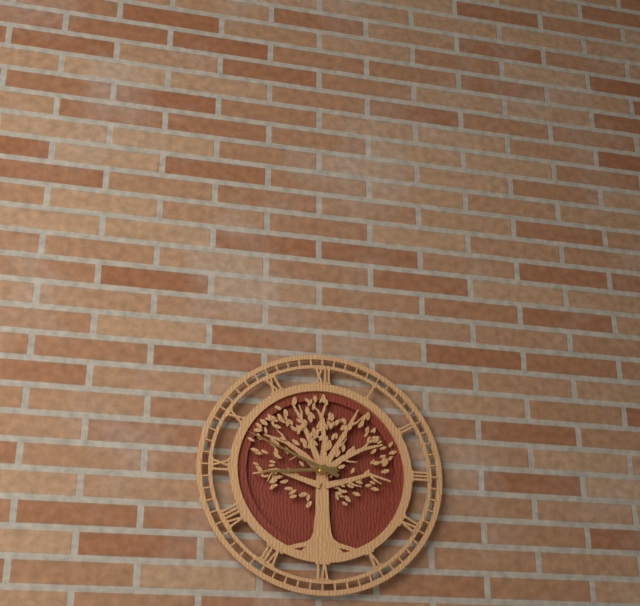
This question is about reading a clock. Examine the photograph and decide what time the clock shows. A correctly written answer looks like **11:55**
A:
**8:49**
